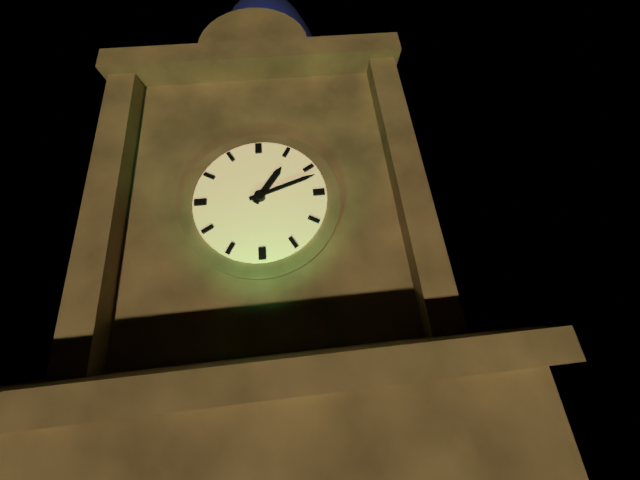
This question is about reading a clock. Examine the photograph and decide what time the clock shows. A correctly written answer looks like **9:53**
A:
**1:12**
